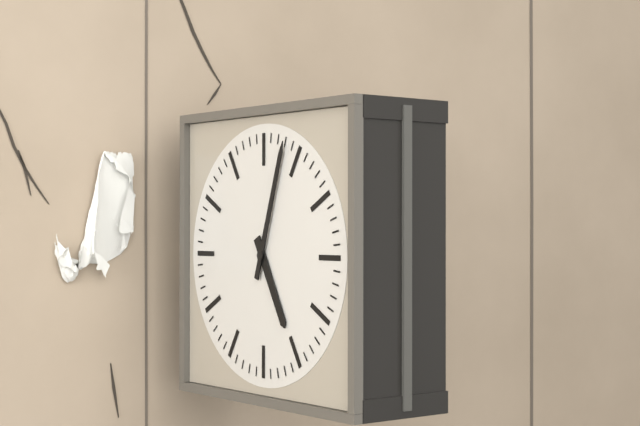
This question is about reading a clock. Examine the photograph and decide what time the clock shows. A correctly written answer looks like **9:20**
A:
**5:03**
